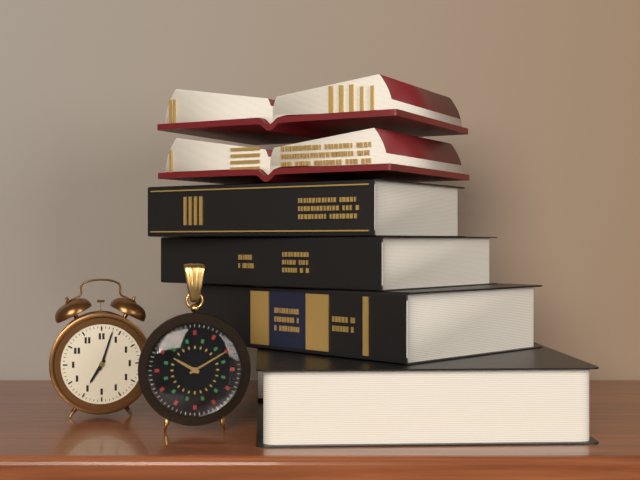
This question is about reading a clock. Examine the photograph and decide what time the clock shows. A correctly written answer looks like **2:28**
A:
**7:03**
